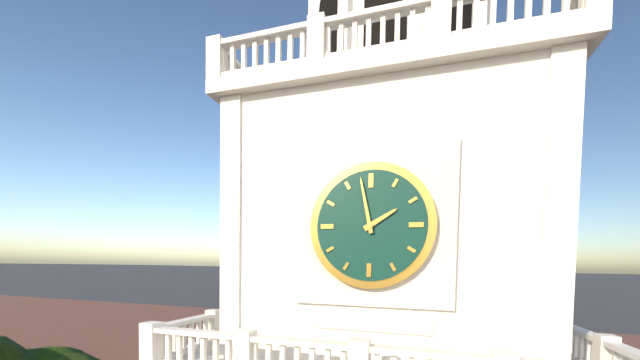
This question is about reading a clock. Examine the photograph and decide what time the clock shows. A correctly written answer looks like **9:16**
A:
**1:58**
